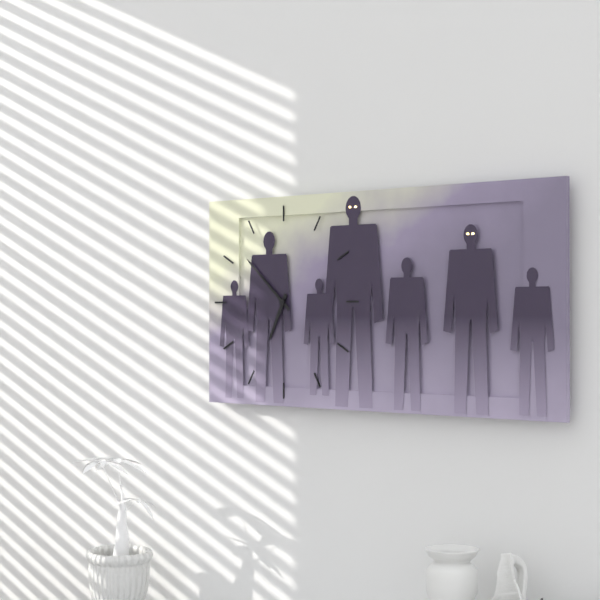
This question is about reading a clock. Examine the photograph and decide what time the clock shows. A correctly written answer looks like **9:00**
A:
**6:52**
